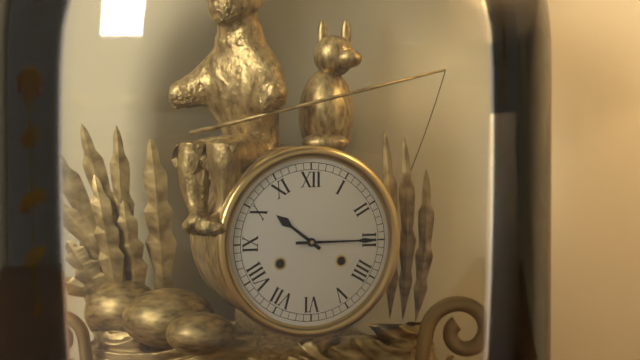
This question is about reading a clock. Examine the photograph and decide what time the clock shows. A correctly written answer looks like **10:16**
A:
**10:15**
